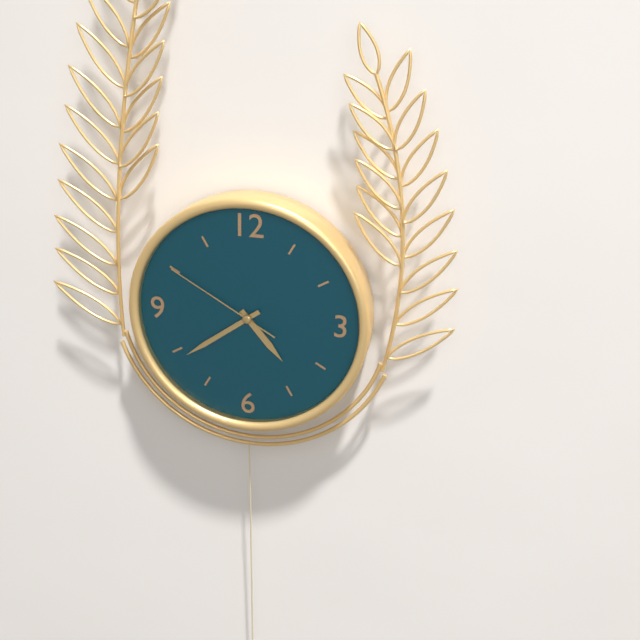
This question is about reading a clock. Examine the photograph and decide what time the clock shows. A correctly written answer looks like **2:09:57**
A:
**4:39:50**
